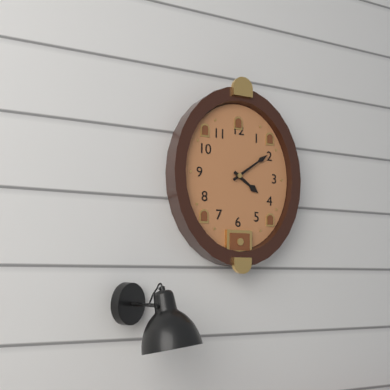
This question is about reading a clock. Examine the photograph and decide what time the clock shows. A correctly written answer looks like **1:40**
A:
**4:09**
